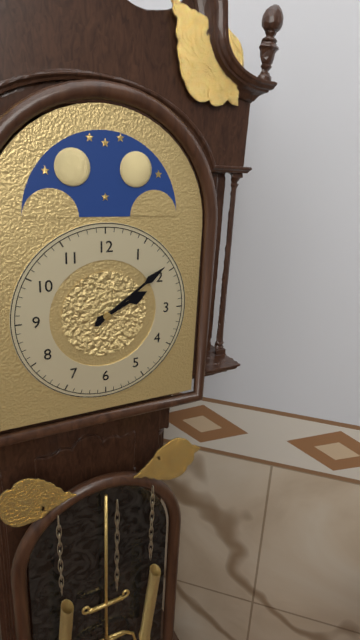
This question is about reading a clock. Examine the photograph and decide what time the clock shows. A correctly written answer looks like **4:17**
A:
**2:09**
